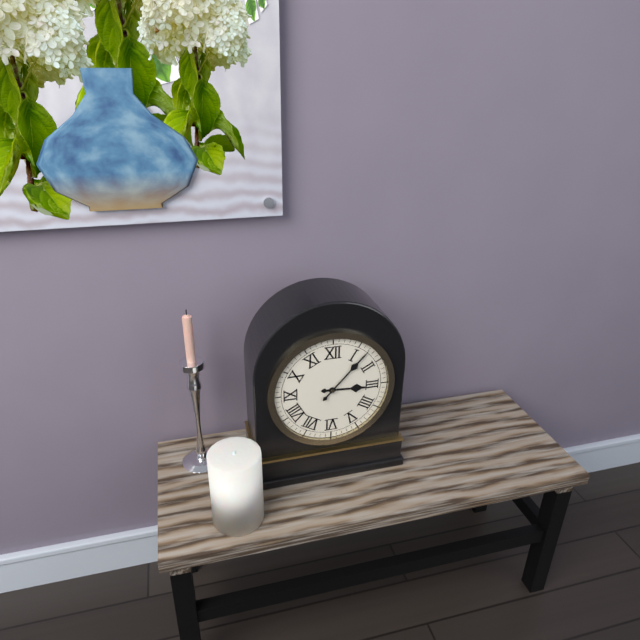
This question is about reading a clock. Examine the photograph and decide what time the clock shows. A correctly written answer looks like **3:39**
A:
**3:07**
